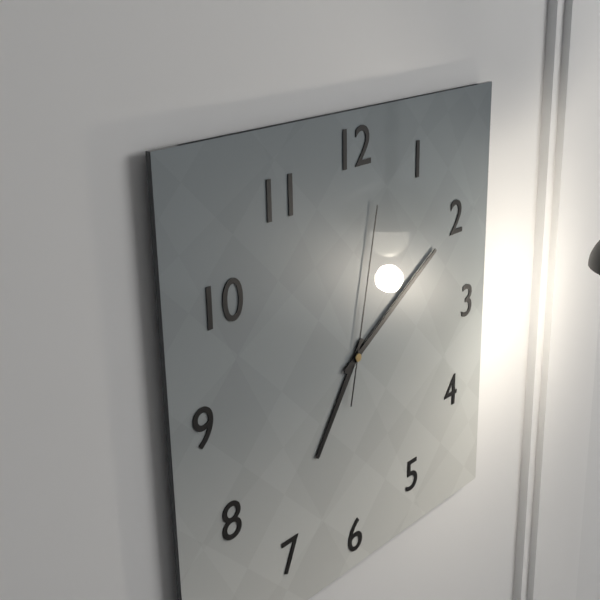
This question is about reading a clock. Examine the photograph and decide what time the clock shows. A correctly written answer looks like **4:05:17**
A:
**7:10:02**
